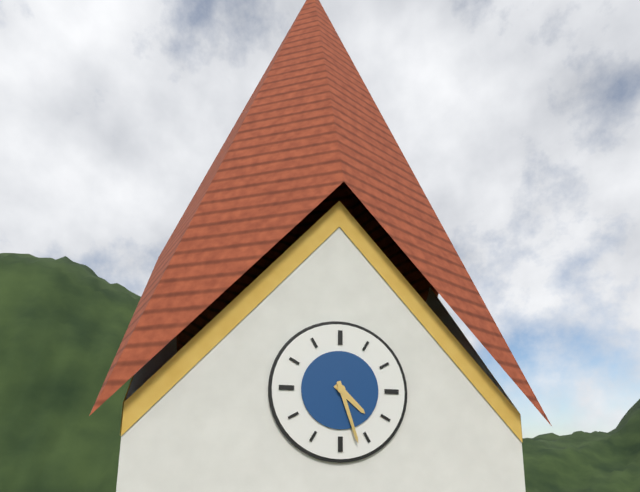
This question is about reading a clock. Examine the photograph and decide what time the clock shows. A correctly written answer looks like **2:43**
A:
**4:27**
